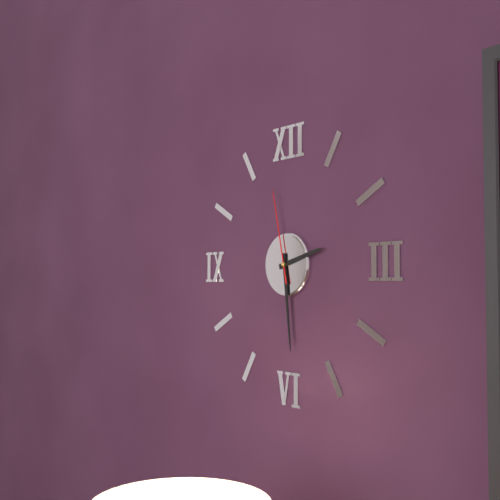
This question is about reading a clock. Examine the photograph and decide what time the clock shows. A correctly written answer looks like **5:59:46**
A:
**2:29:58**
